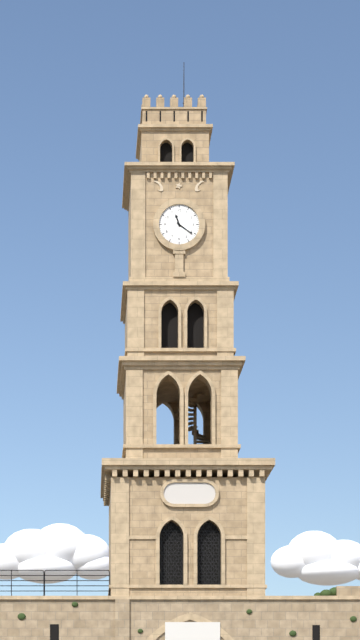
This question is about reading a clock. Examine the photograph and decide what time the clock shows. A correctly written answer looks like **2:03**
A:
**11:21**
